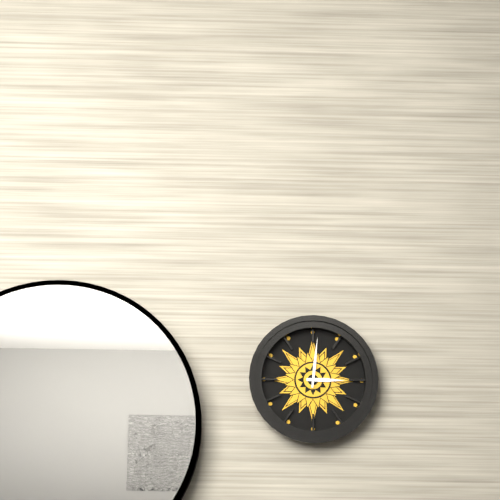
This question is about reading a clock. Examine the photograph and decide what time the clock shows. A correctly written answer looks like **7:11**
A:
**3:01**
